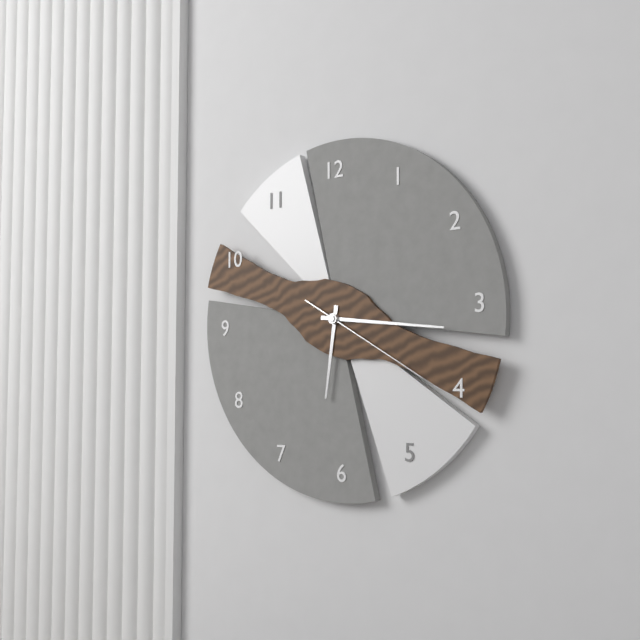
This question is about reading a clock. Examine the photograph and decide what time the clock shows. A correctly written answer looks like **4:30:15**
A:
**6:16:20**
